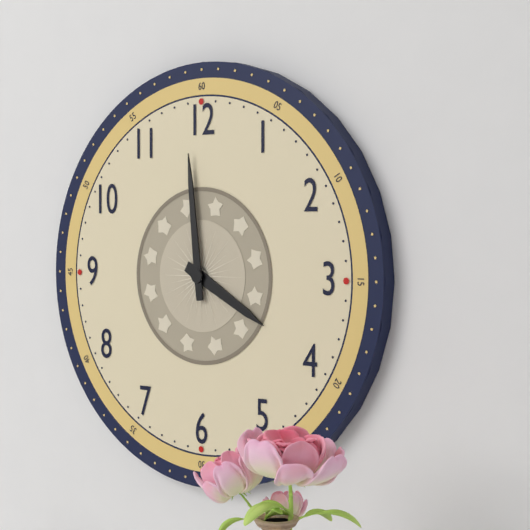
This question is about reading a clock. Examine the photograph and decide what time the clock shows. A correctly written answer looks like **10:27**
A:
**3:59**
